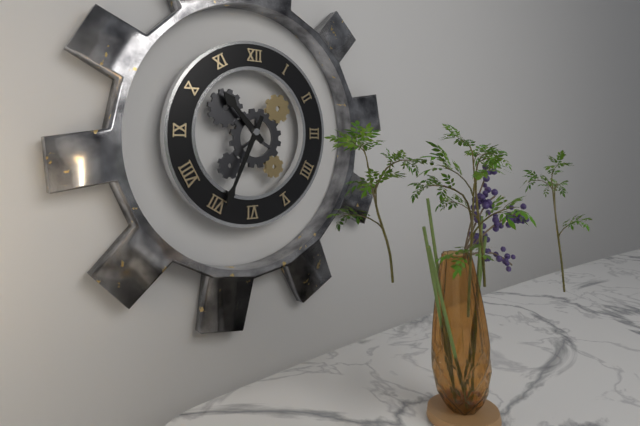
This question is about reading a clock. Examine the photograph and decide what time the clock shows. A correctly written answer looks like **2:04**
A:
**10:34**
